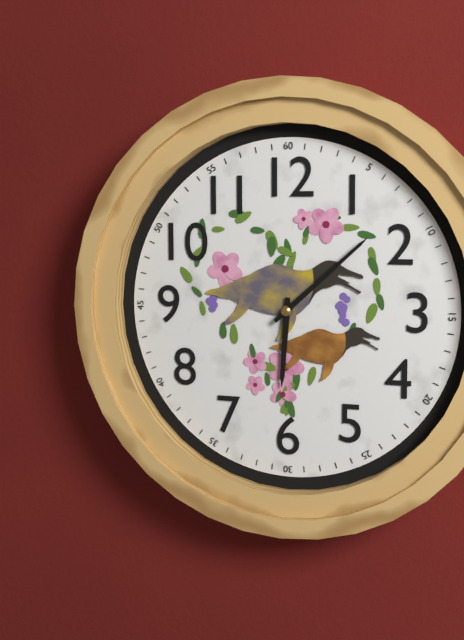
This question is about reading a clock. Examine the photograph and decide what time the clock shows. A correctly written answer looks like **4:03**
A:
**6:08**
